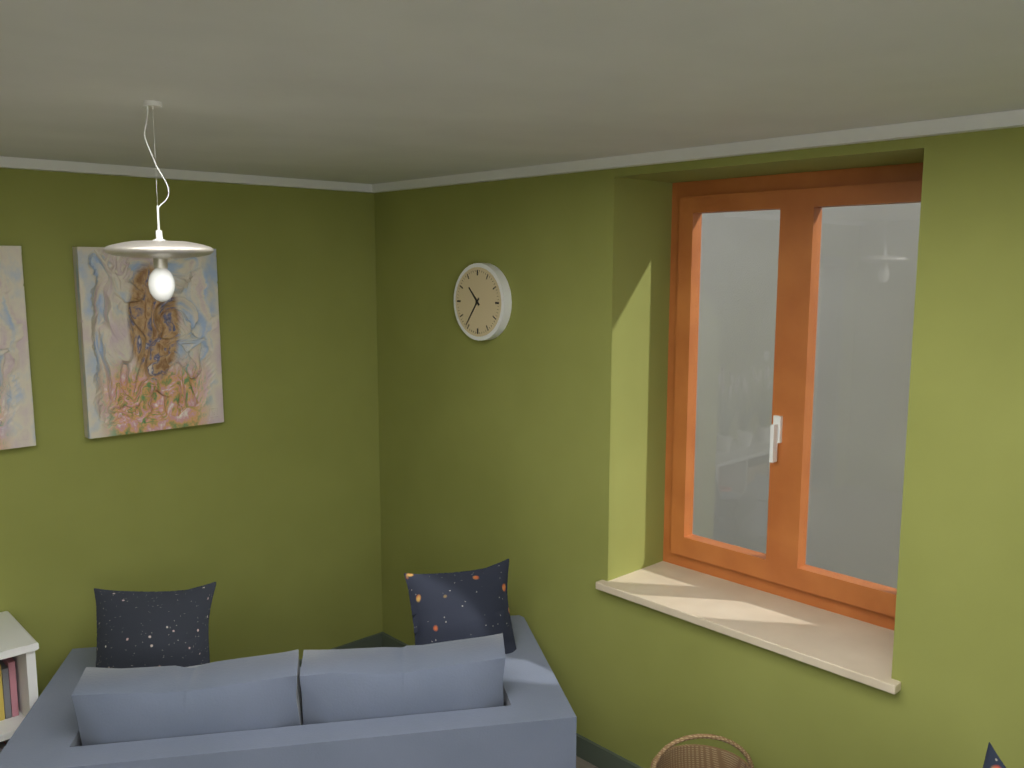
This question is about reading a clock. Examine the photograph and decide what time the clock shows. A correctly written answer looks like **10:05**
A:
**10:36**
